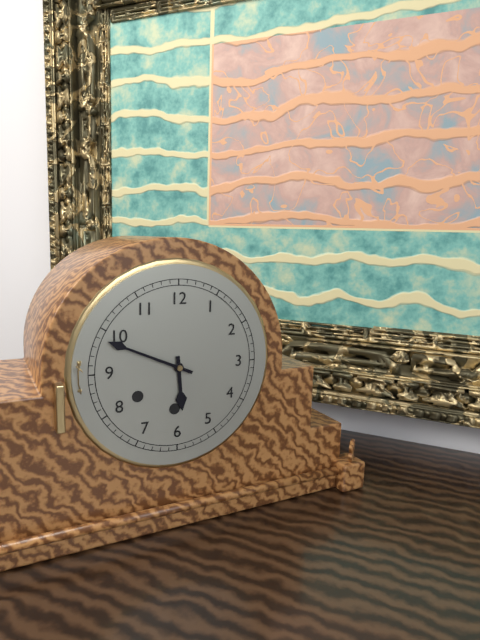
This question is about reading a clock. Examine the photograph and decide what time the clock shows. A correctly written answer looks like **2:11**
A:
**5:49**
